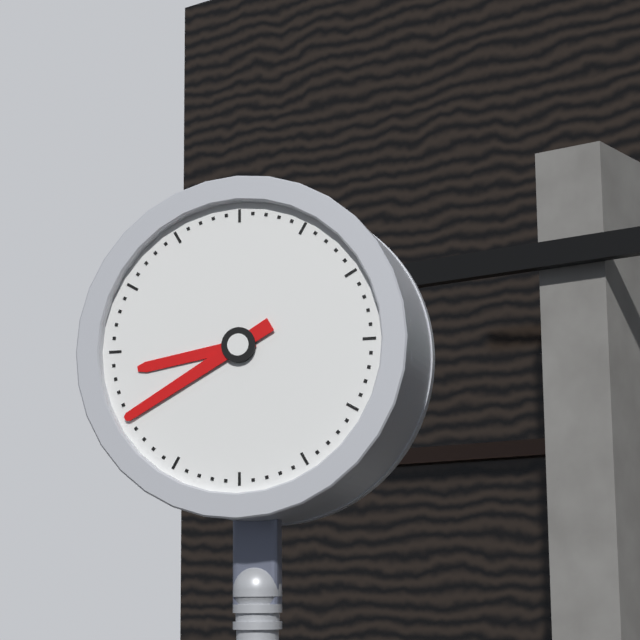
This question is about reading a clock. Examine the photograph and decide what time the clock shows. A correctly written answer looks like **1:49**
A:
**8:40**
